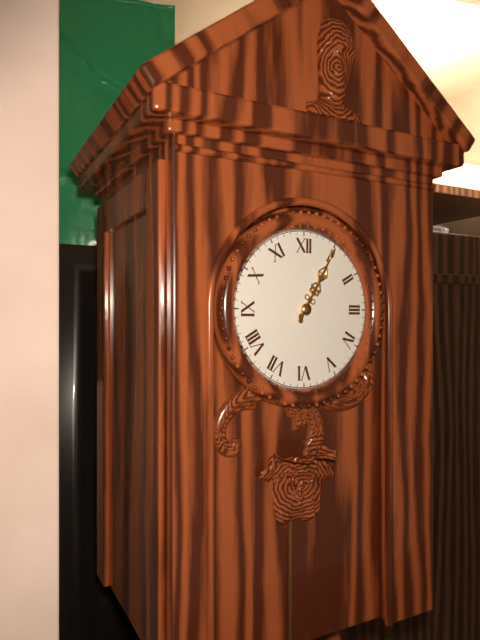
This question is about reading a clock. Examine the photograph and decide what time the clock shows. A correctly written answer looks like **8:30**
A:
**1:05**
